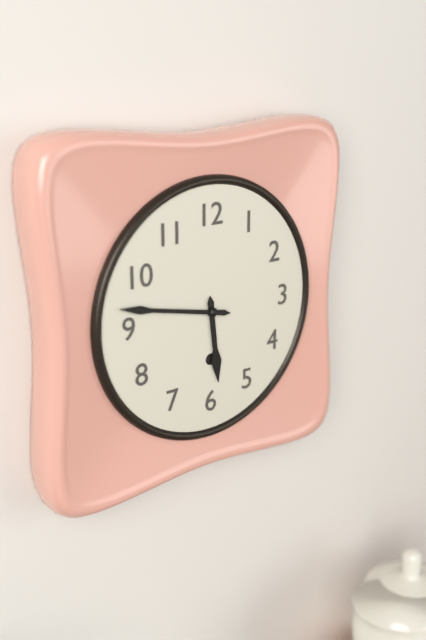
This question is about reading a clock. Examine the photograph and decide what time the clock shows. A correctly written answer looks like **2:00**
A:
**5:47**
